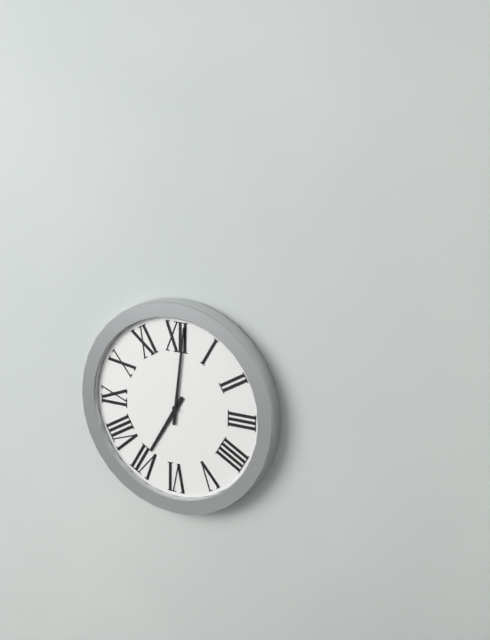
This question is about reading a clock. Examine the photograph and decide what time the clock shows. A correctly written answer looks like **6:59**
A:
**7:01**
